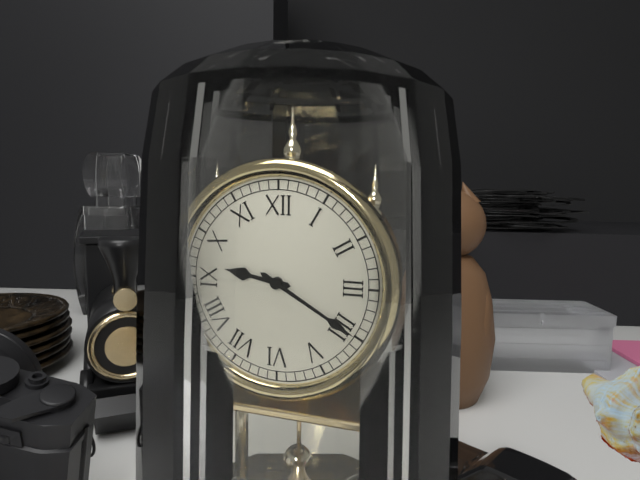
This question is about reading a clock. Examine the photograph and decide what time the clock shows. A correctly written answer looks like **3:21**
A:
**9:20**
